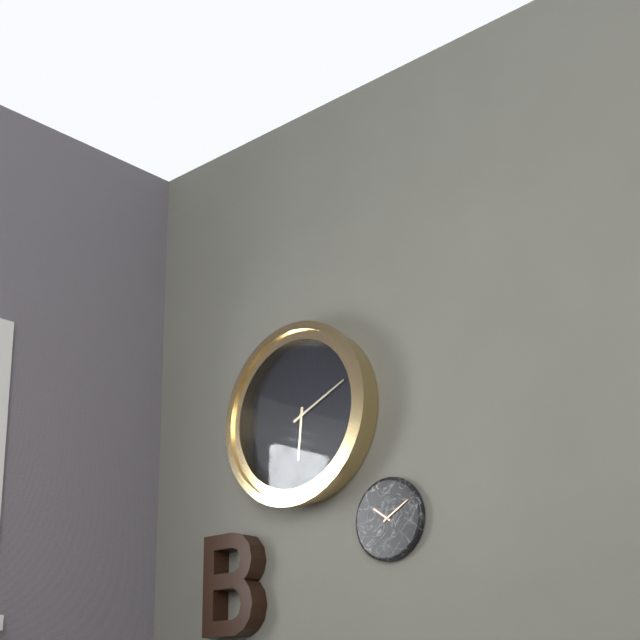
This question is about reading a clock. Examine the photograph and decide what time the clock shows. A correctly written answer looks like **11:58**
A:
**6:11**
